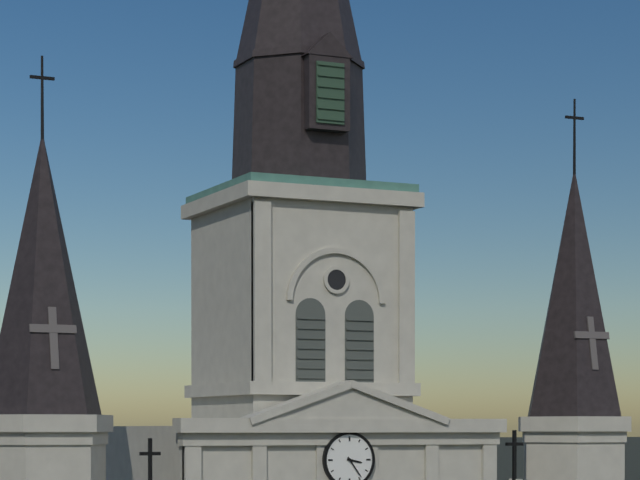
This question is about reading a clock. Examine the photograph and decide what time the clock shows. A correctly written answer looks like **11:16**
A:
**3:24**
